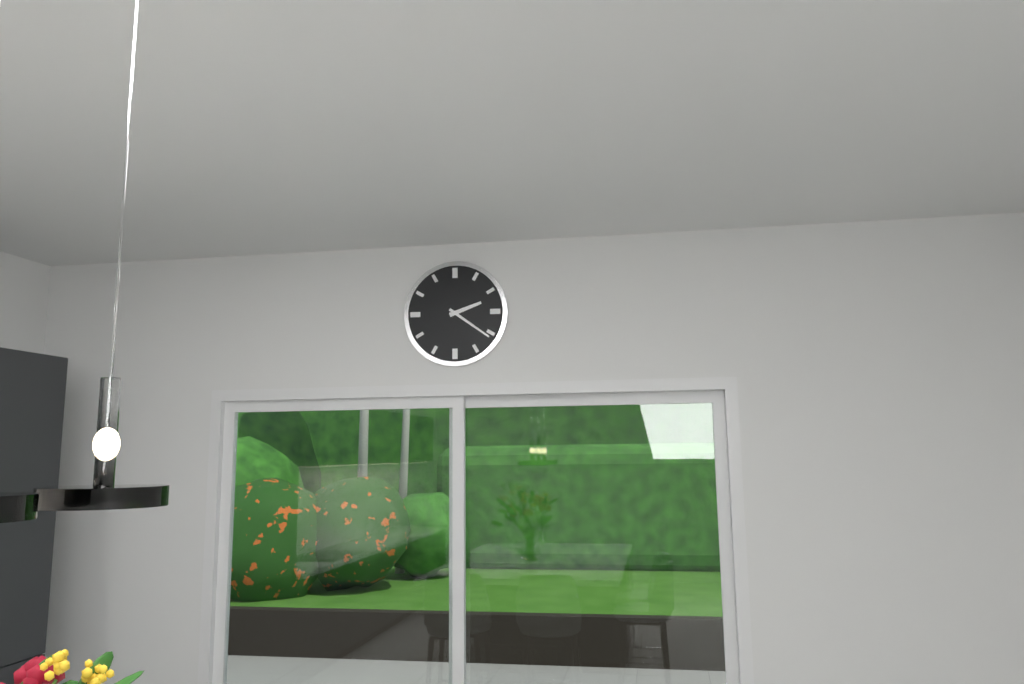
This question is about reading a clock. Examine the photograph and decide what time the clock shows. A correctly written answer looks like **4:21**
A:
**2:21**
